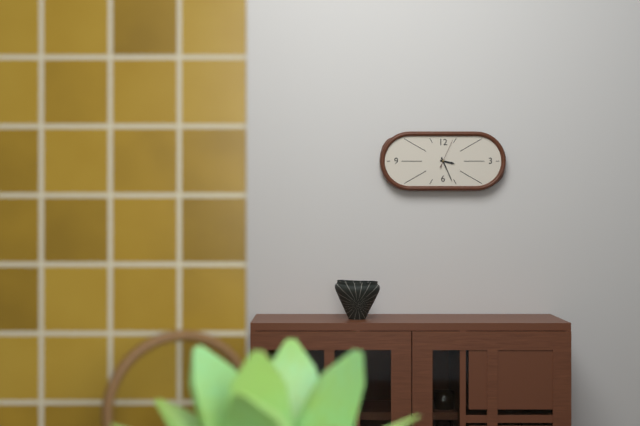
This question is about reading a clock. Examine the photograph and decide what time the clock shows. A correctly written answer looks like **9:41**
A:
**3:26**
